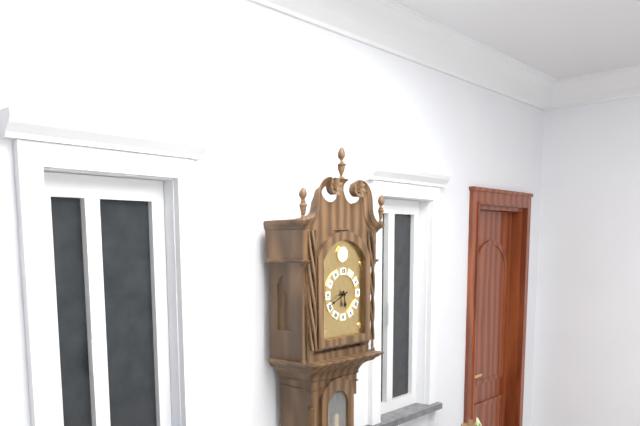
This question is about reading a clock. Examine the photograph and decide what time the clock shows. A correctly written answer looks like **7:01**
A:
**5:41**
